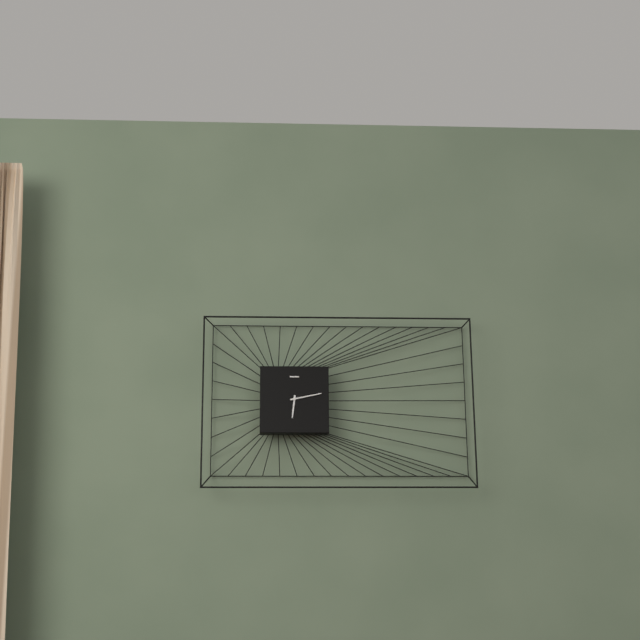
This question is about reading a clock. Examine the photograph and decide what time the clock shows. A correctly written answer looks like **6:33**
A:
**6:13**
